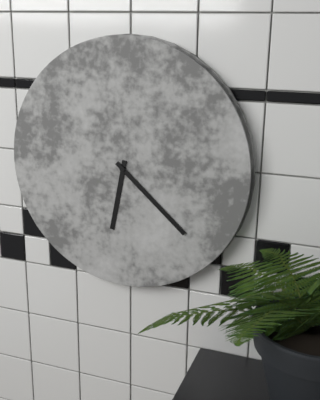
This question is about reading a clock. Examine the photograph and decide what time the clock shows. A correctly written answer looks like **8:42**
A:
**6:22**
